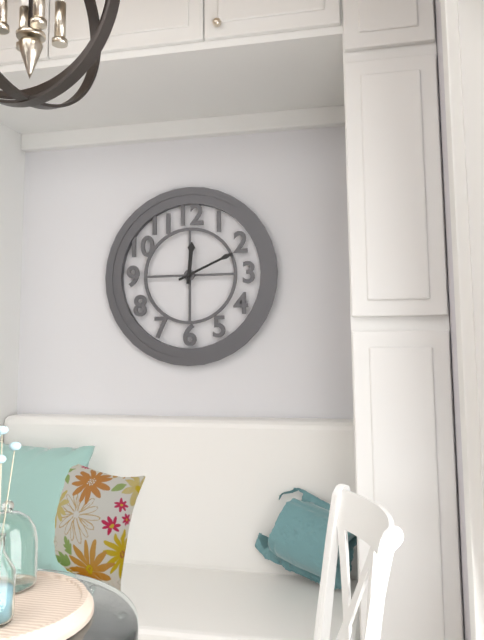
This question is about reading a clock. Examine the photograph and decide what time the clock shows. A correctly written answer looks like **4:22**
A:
**12:11**
